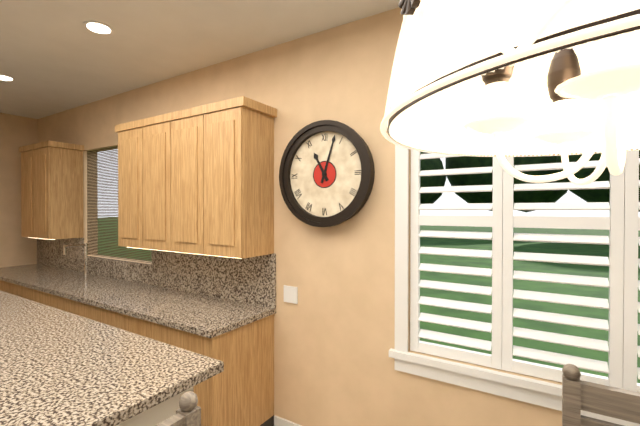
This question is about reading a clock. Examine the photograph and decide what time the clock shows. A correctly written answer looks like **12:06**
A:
**11:03**
